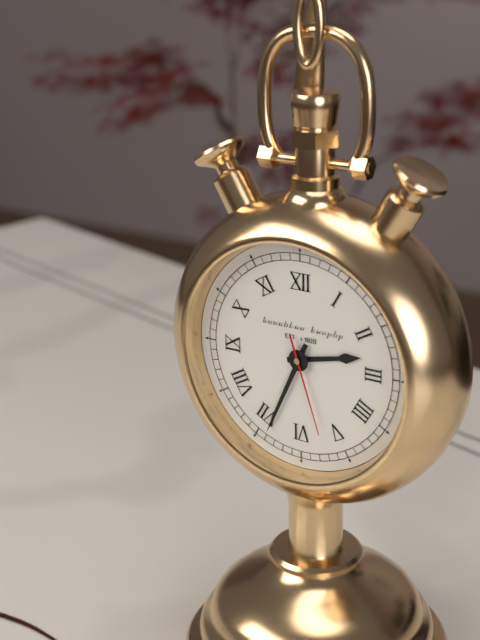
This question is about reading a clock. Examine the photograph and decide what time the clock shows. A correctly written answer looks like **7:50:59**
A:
**2:34:27**
